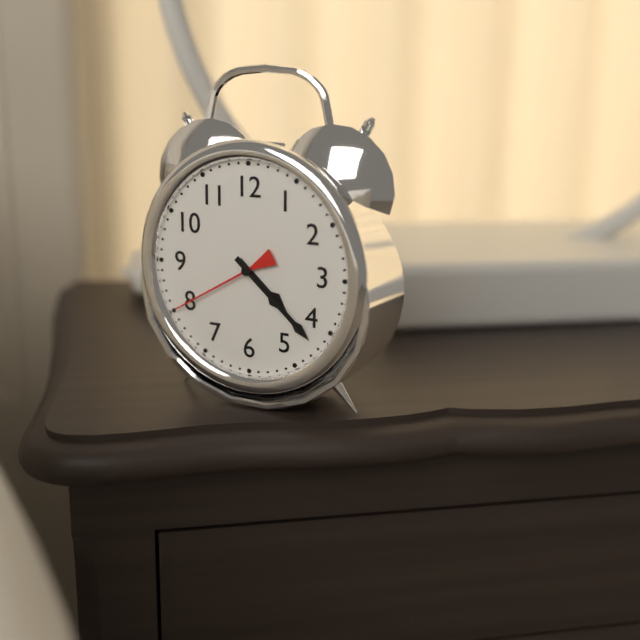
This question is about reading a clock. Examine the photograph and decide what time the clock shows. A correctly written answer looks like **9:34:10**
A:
**4:22:40**
